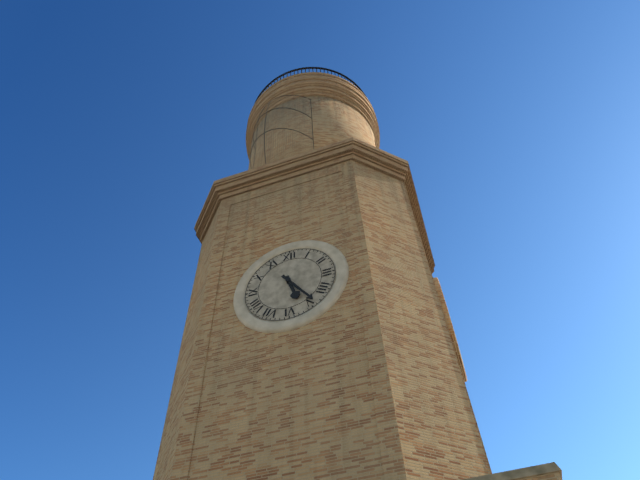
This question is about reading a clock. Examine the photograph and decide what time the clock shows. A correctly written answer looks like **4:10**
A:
**5:24**
